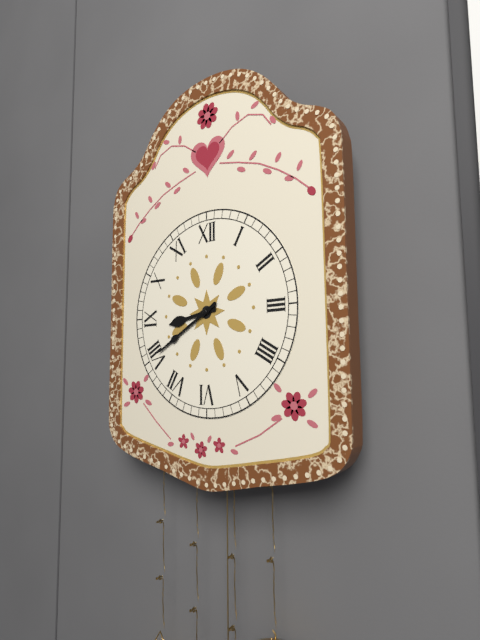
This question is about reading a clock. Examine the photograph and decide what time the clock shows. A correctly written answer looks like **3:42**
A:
**8:40**
